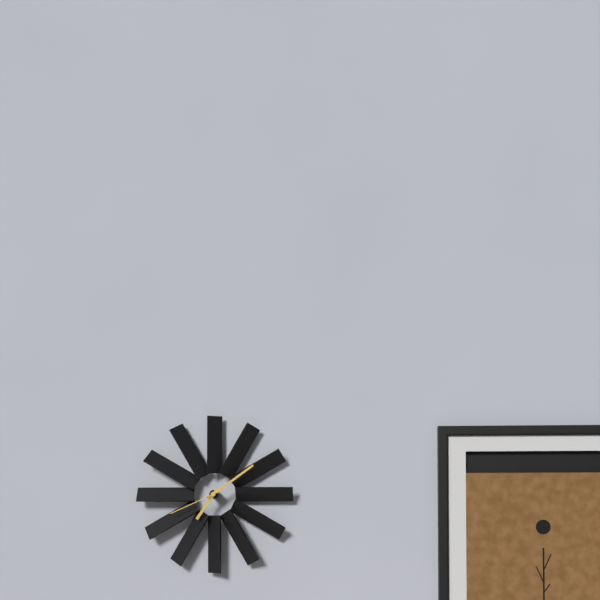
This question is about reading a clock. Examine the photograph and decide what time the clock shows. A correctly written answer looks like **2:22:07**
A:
**7:09:41**
